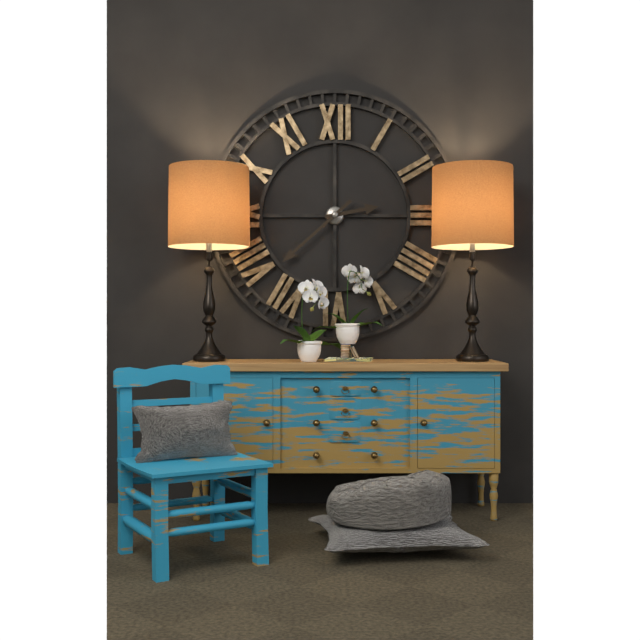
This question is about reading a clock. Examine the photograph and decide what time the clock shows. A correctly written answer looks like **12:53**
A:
**2:38**
